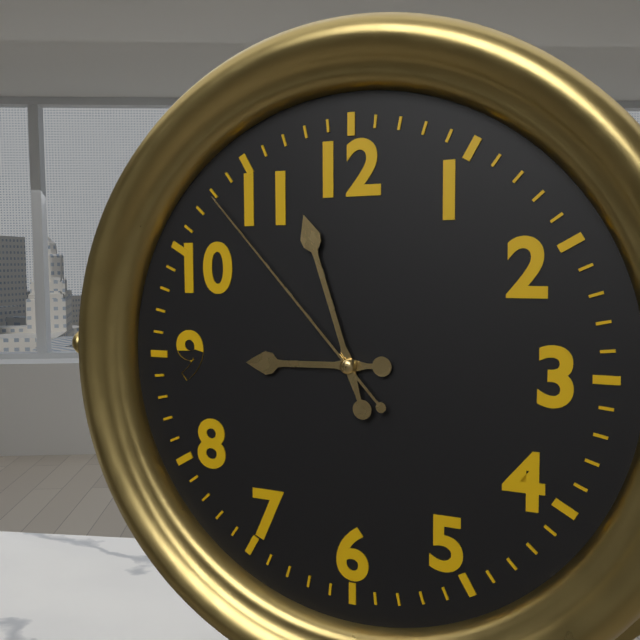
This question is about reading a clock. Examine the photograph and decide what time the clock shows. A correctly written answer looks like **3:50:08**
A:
**8:57:53**
